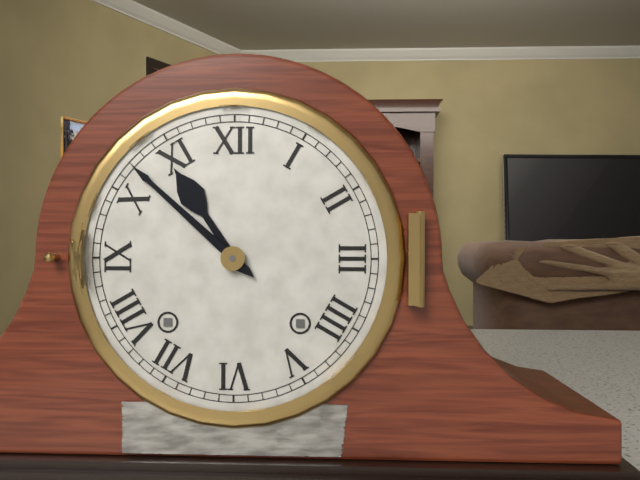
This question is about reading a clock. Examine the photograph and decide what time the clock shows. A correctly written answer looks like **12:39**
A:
**10:52**
